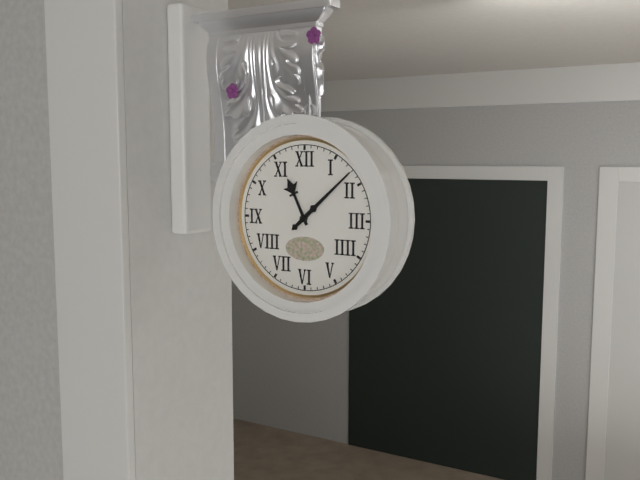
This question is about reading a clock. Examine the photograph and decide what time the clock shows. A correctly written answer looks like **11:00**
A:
**11:08**
